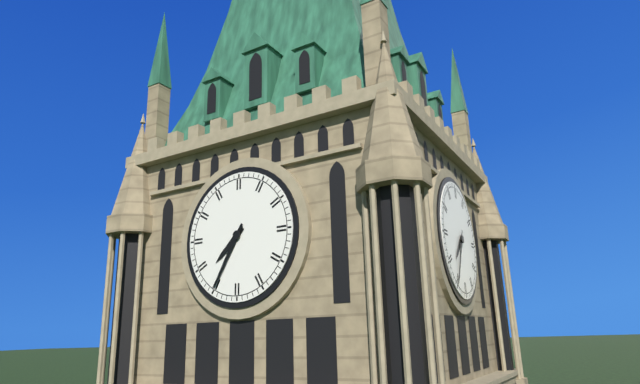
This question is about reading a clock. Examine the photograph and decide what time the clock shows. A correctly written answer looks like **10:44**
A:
**7:35**
